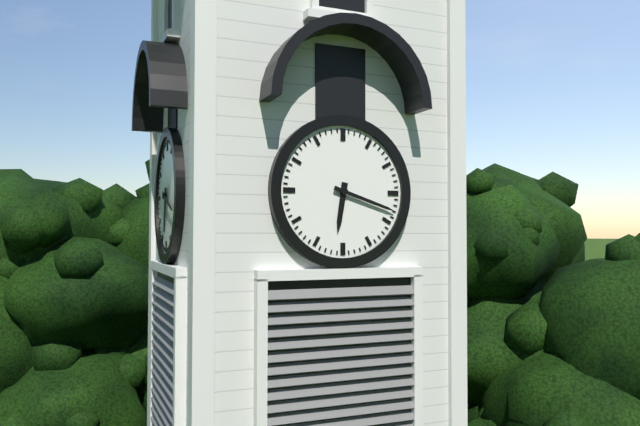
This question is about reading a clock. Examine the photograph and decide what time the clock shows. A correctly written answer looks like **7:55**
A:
**6:18**
